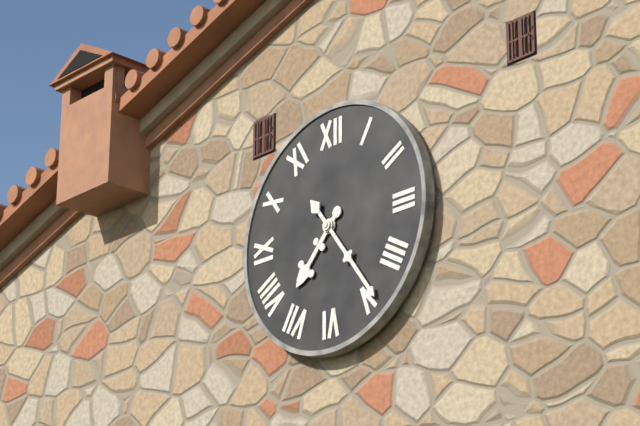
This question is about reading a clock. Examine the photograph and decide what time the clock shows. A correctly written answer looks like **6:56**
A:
**7:24**
